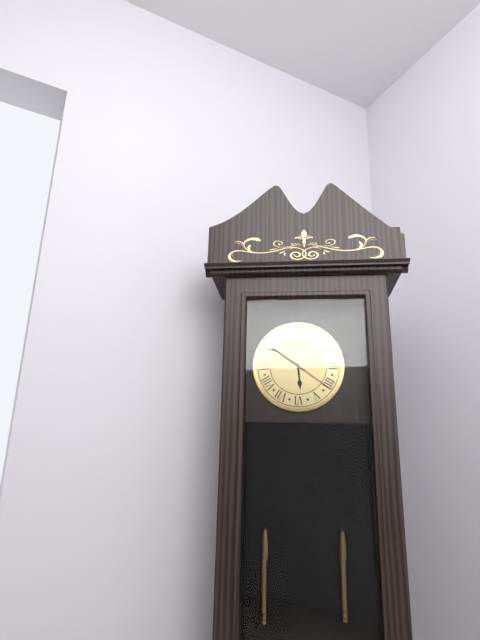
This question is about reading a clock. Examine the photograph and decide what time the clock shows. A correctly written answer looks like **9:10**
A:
**5:51**
